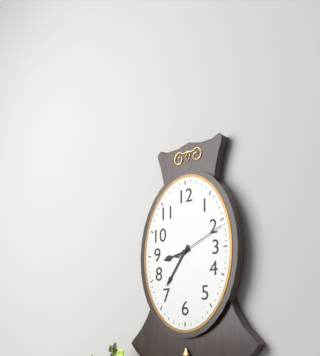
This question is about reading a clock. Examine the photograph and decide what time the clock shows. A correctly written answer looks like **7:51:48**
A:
**8:36:11**
